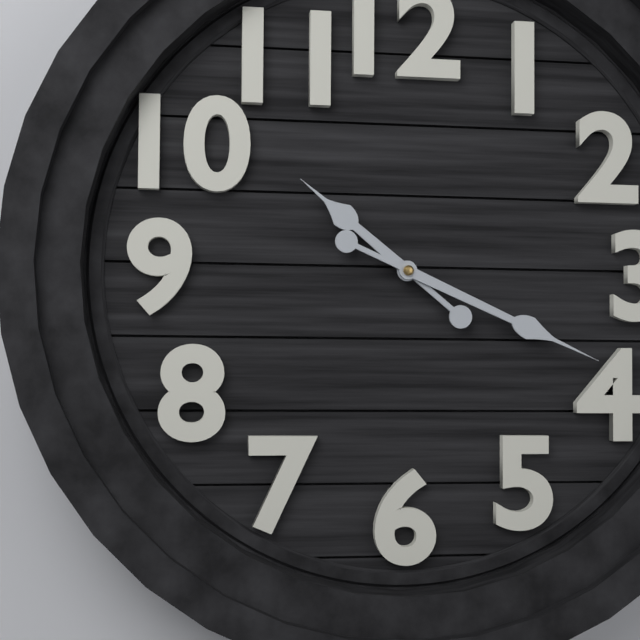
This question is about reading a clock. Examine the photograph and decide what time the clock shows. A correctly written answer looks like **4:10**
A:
**10:19**
